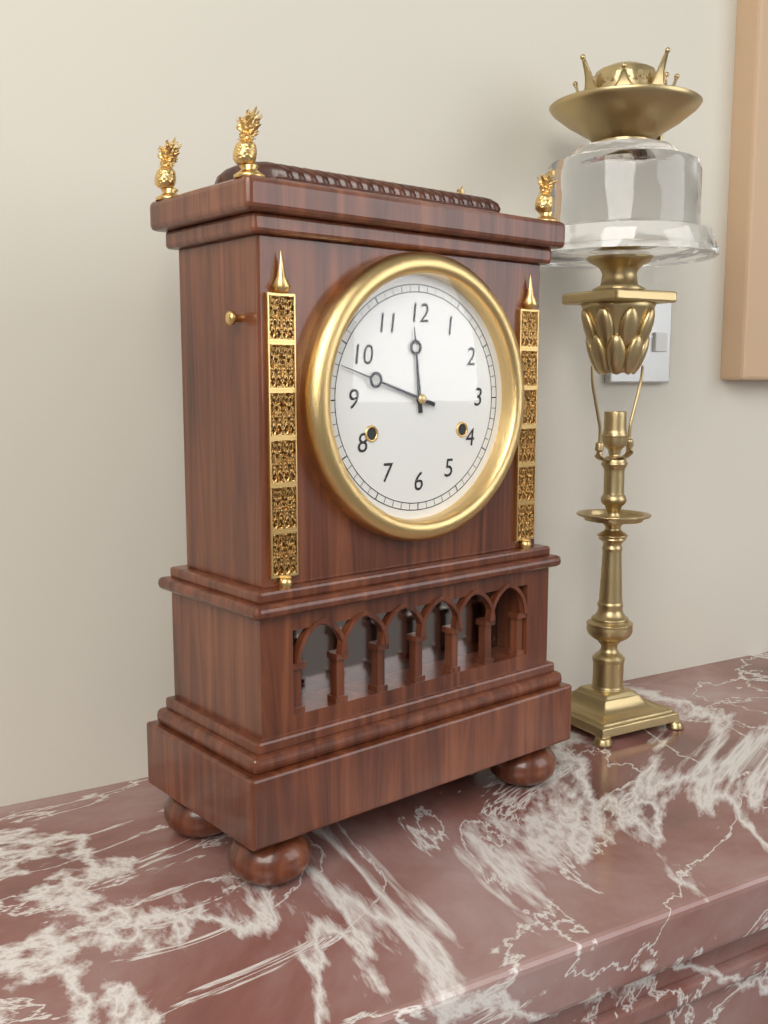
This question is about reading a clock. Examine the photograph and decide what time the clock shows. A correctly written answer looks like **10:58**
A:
**11:48**
